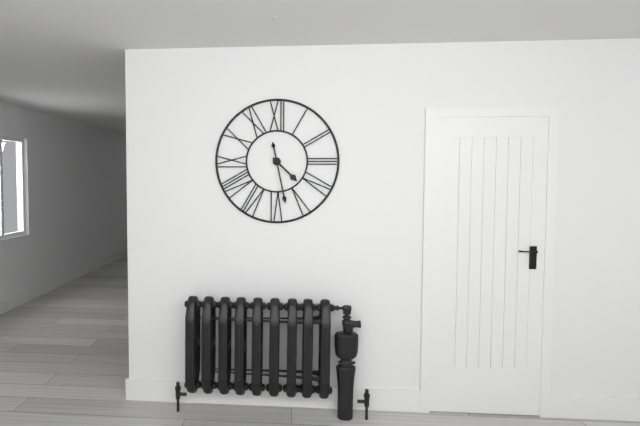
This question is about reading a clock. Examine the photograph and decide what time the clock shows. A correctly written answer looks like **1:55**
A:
**4:28**
